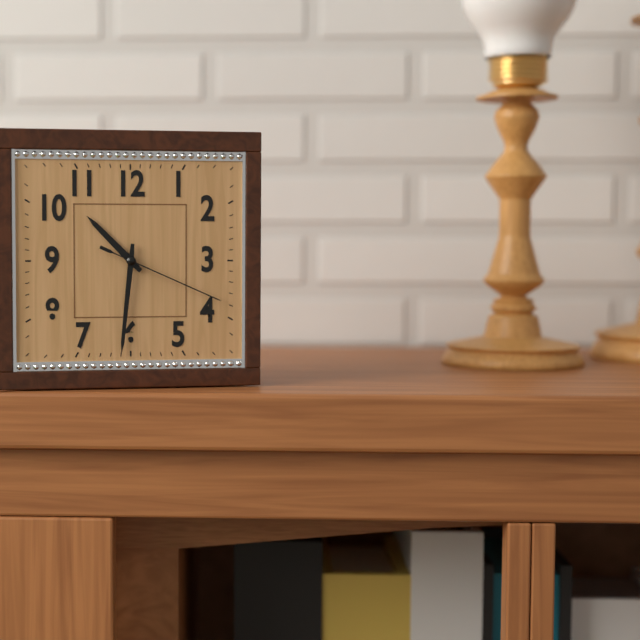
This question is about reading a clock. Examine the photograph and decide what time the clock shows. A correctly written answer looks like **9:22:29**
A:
**10:31:19**
